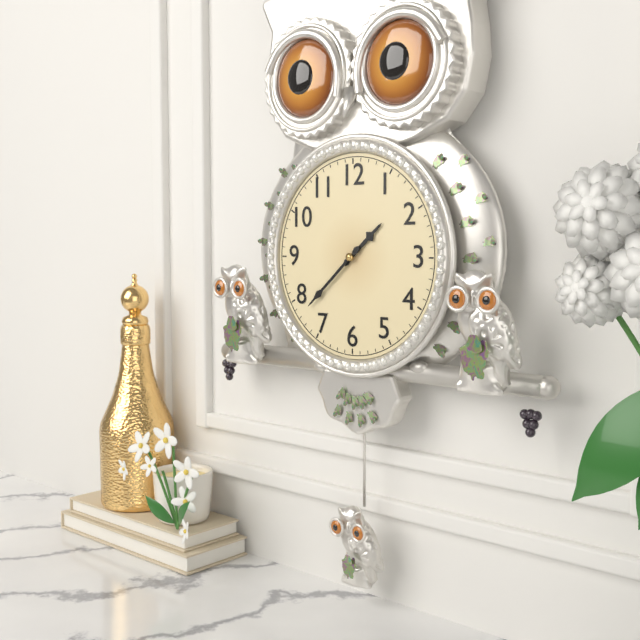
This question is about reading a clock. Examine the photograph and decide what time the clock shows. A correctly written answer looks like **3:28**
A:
**1:38**
